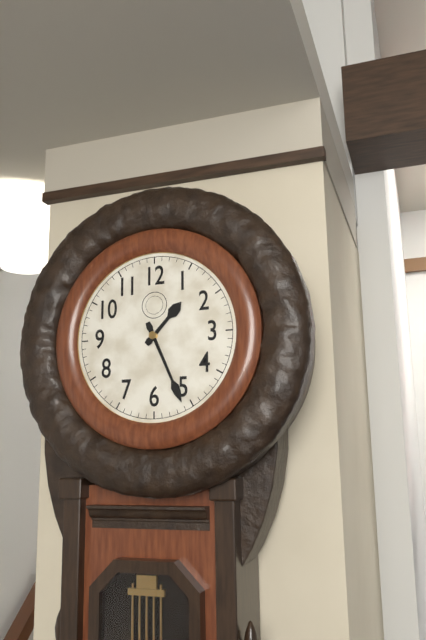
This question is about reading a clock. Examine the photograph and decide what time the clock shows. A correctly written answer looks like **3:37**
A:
**1:26**
